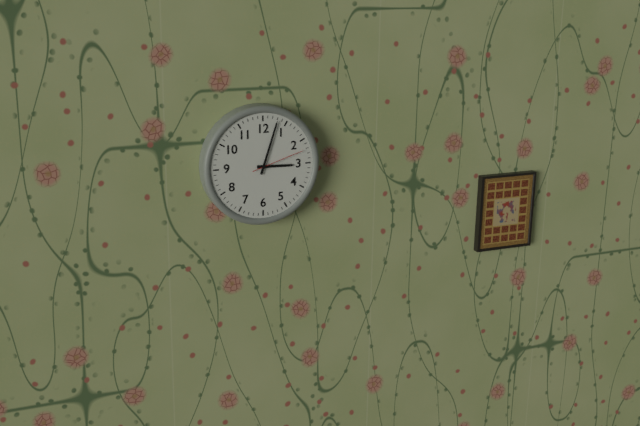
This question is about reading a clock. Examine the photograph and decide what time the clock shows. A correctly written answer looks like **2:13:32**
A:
**3:03:12**
